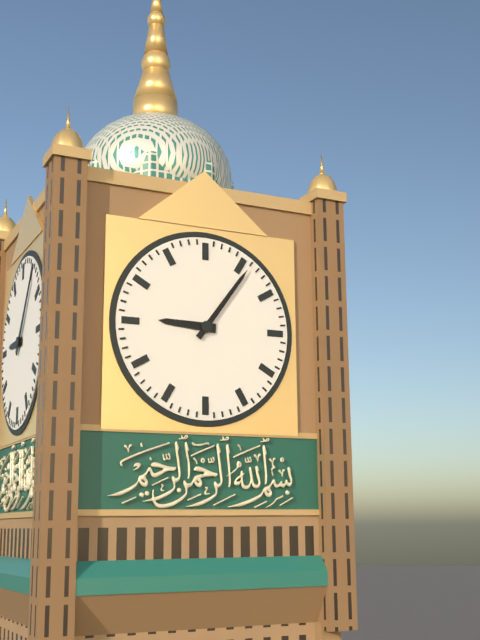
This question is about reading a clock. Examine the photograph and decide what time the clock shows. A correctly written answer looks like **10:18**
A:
**9:06**
